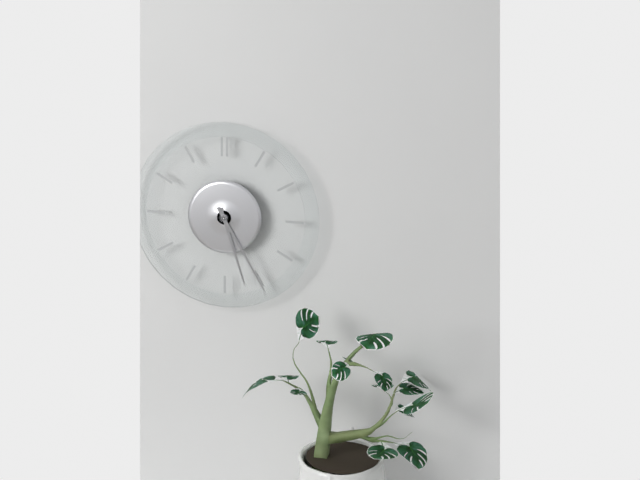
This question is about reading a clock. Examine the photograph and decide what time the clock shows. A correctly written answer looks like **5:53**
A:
**5:25**
